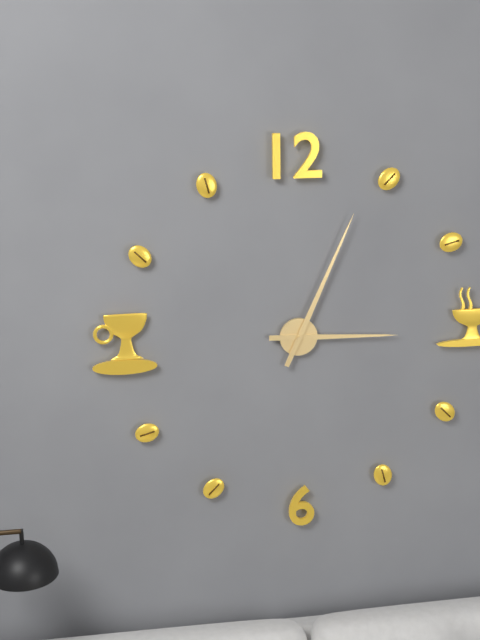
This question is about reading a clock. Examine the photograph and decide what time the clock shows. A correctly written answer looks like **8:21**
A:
**3:04**
